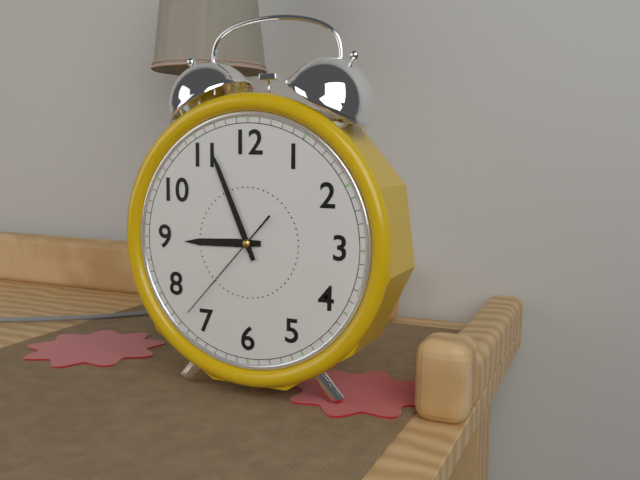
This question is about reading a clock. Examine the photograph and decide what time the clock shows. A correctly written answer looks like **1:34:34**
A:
**8:56:37**
